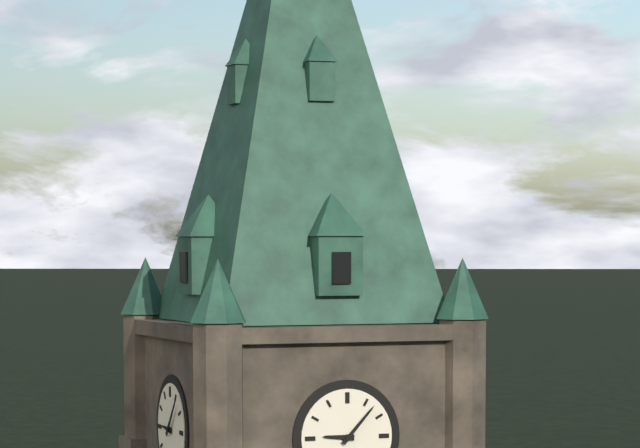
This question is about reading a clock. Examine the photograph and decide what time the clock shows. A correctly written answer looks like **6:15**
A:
**9:07**
